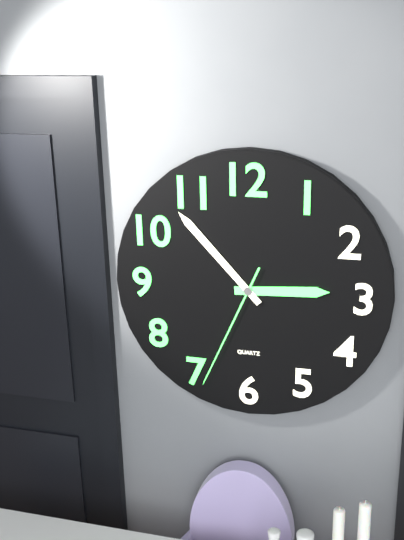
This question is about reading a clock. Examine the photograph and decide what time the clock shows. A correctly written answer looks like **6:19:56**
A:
**2:53:34**
